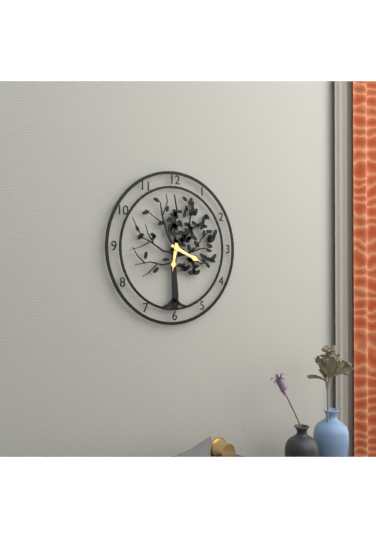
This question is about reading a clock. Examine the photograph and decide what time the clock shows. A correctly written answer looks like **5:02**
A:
**6:19**
